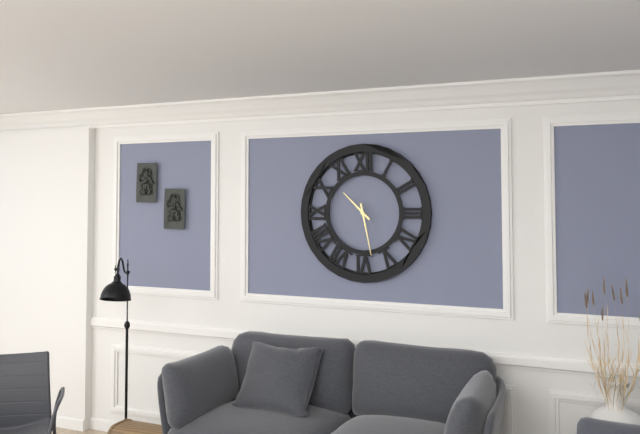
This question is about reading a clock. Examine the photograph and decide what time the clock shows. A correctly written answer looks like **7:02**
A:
**10:28**
